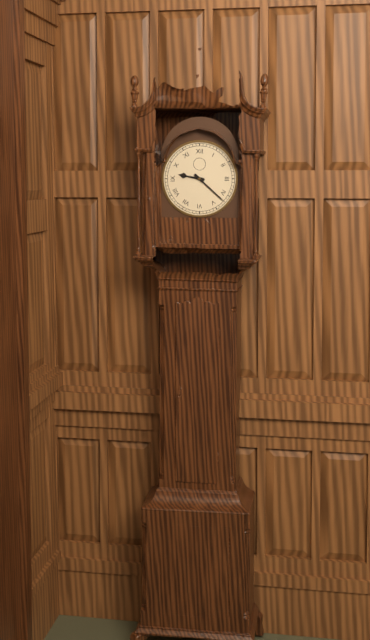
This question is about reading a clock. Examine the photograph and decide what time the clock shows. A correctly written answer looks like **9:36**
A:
**9:22**
